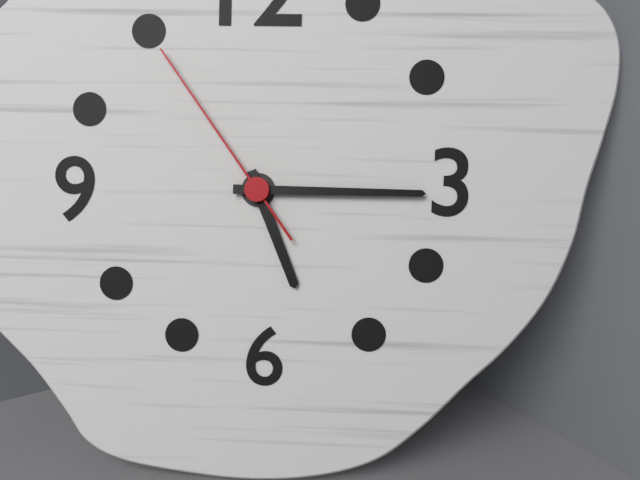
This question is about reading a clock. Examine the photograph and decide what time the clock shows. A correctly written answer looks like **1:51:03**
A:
**5:15:54**
